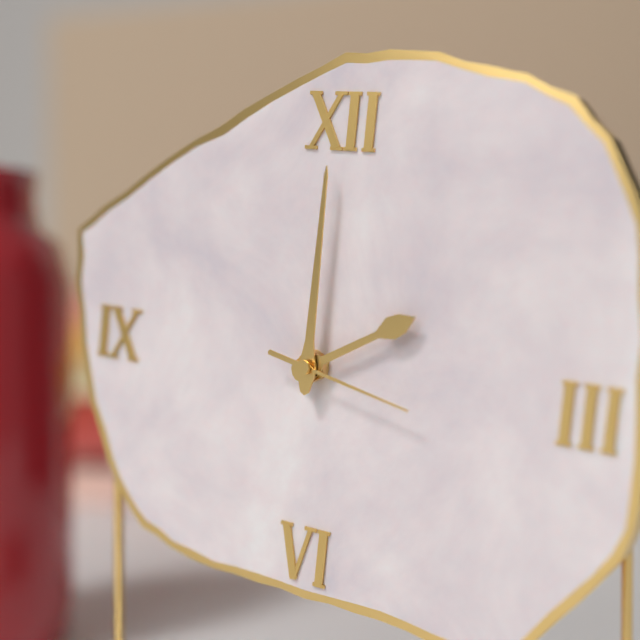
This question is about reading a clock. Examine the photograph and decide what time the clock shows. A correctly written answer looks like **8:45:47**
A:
**2:00:17**
